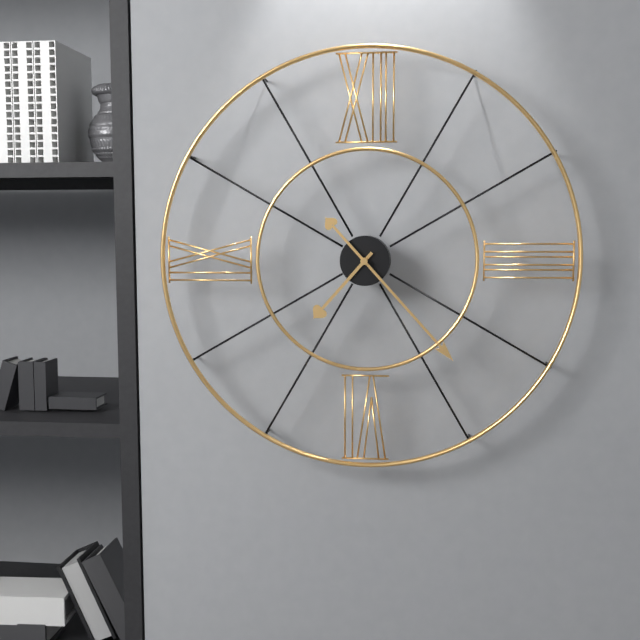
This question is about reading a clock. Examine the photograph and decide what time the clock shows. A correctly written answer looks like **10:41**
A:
**7:23**
